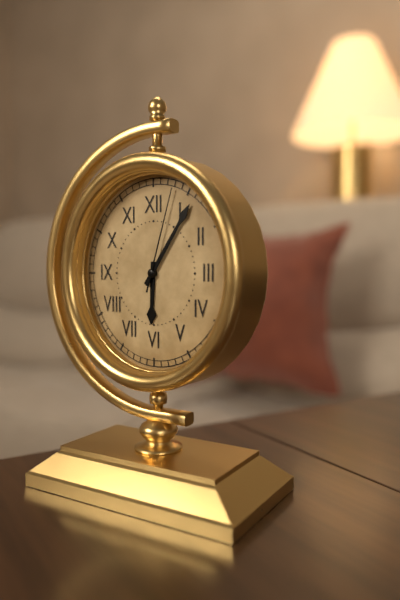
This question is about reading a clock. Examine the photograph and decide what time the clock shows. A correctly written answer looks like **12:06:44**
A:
**6:06:03**
